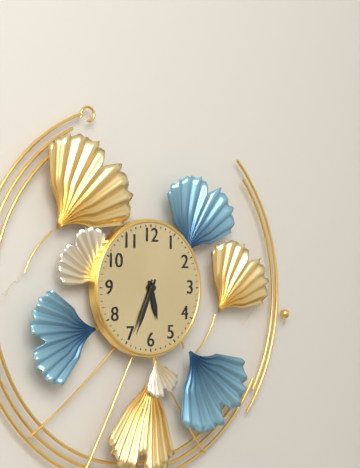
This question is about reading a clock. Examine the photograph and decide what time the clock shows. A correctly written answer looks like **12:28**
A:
**5:34**
